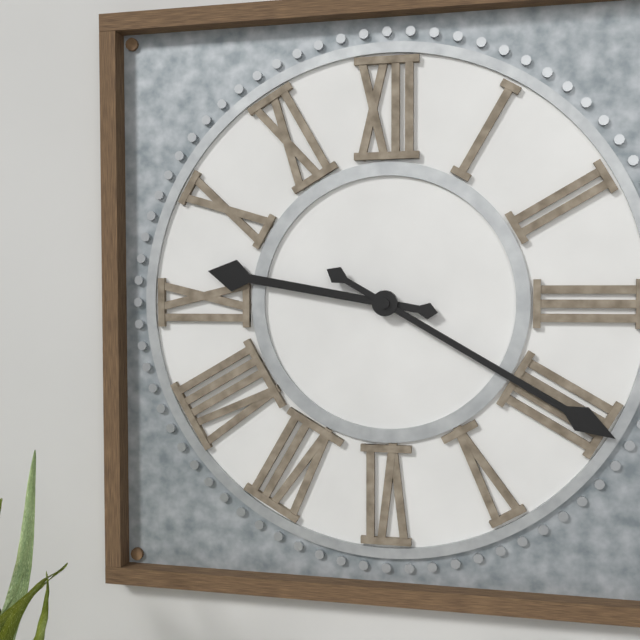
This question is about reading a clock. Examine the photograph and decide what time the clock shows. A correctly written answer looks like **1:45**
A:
**9:20**
